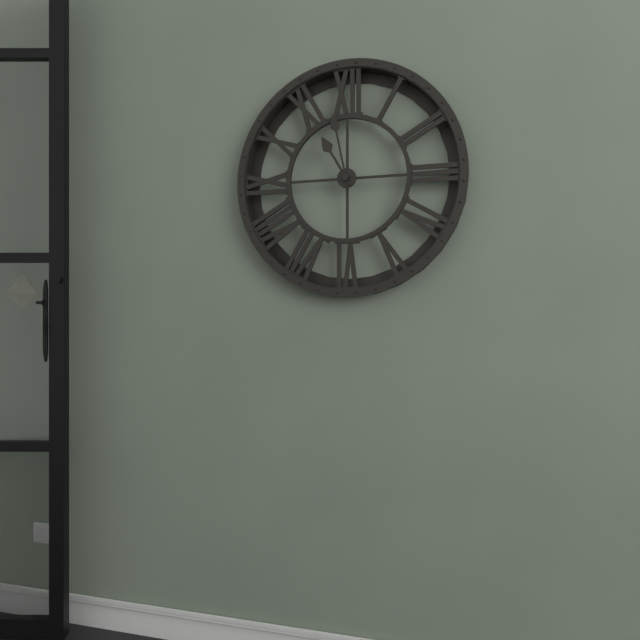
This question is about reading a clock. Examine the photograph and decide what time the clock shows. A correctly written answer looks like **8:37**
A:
**10:58**
